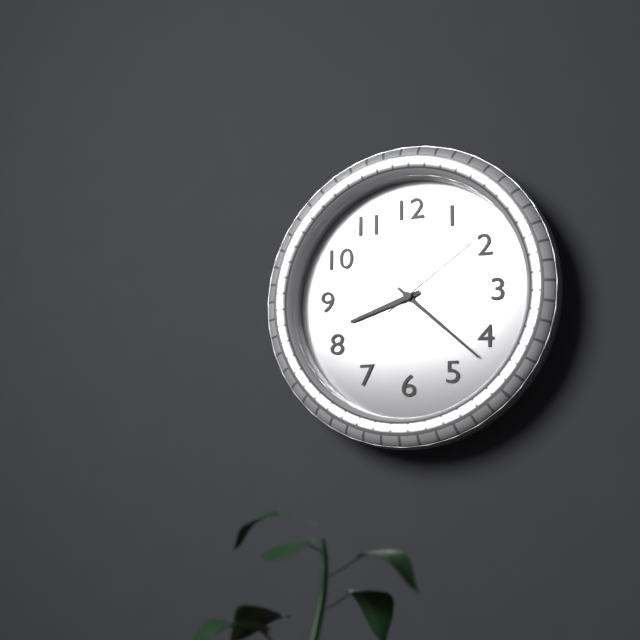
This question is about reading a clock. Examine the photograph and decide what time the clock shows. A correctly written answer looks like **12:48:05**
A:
**8:22:09**
